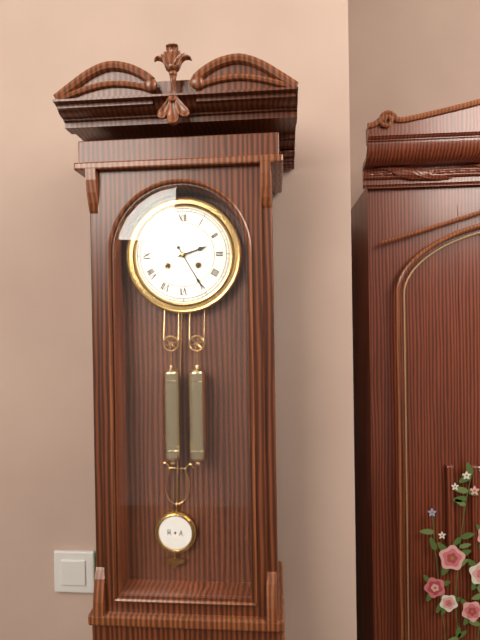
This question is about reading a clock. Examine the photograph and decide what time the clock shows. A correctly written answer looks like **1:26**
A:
**2:25**
